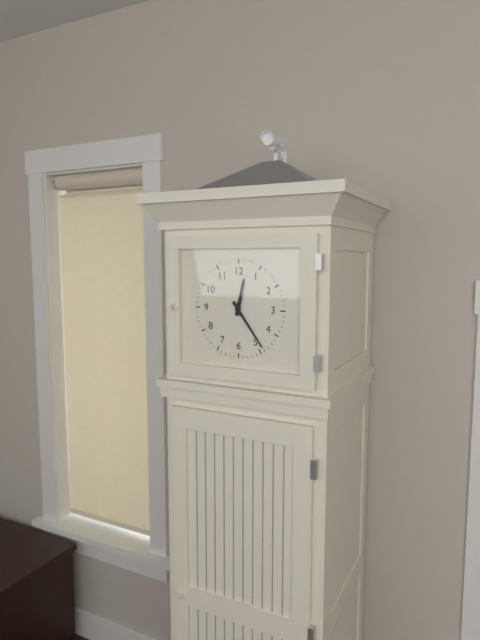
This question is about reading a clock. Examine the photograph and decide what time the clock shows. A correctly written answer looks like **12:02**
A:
**12:24**
